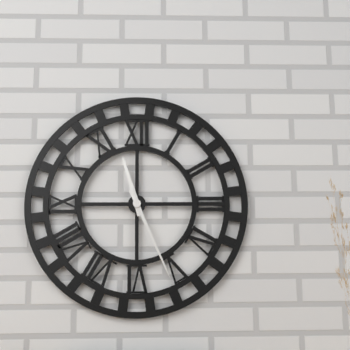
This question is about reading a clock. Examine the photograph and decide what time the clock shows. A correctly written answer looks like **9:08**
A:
**11:26**
